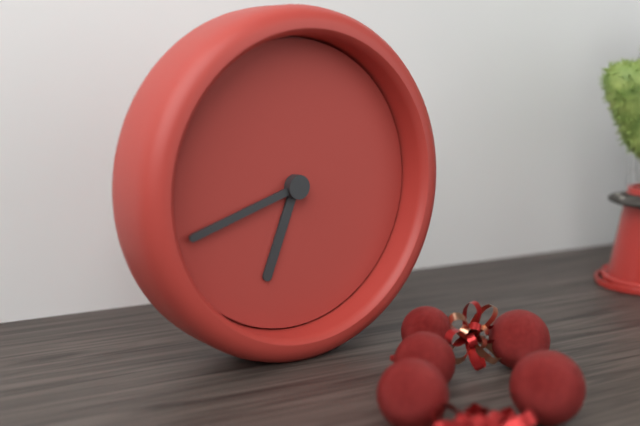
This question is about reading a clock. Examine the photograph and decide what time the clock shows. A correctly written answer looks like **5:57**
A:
**6:42**
